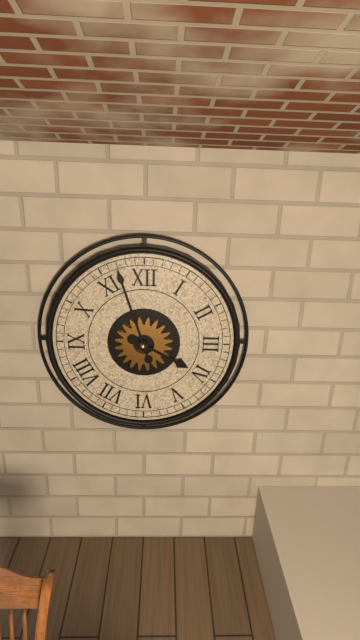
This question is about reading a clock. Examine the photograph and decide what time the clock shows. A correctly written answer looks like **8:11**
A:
**3:57**
